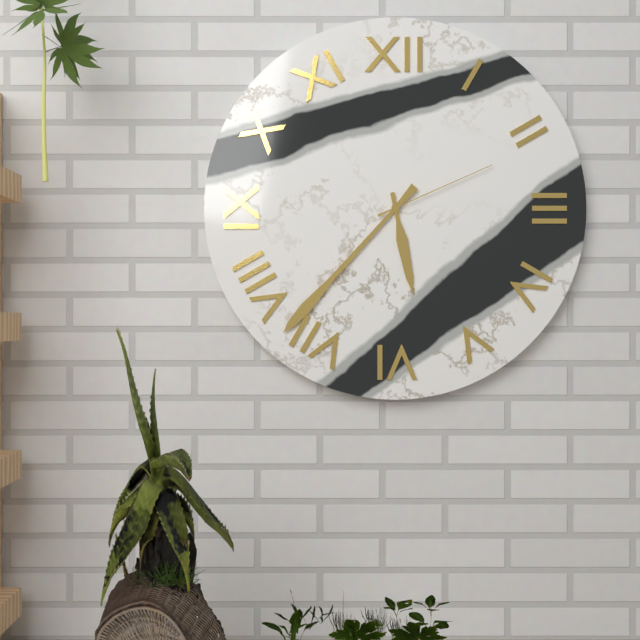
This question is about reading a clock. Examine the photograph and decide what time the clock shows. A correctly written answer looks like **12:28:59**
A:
**5:37:11**
